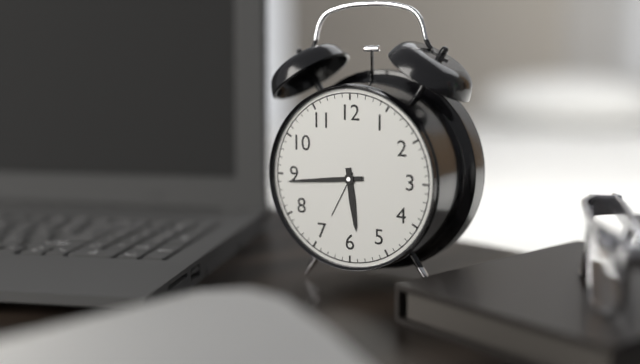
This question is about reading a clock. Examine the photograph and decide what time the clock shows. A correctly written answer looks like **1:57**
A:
**5:44**
